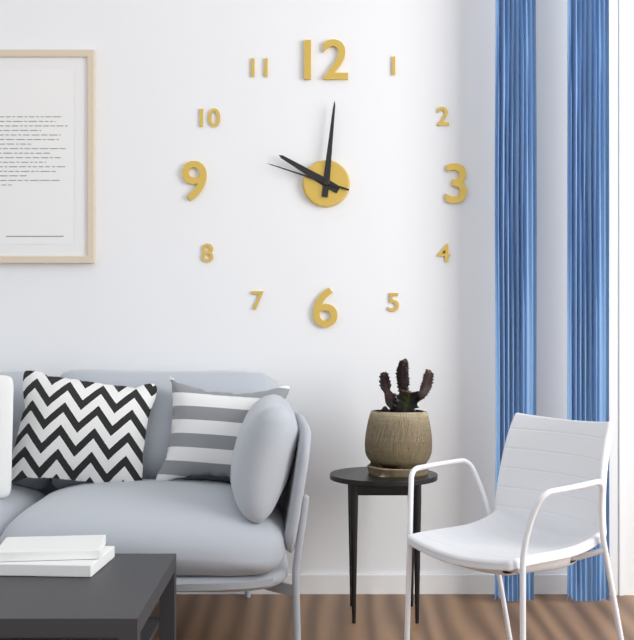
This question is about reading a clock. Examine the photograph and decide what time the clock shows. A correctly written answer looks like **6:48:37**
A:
**10:01:48**
